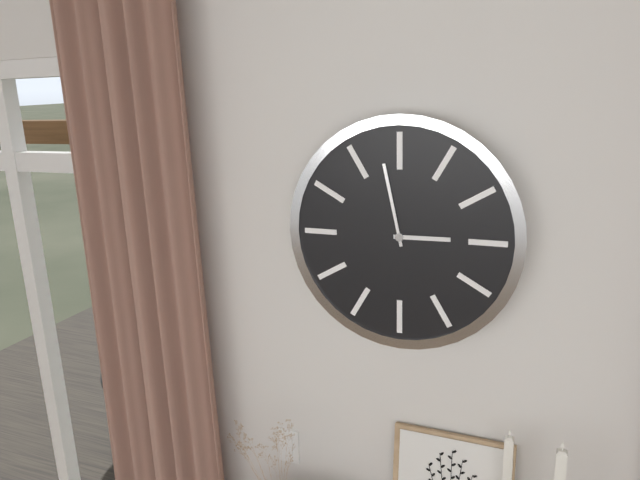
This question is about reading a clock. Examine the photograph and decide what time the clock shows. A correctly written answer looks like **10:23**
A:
**2:58**
